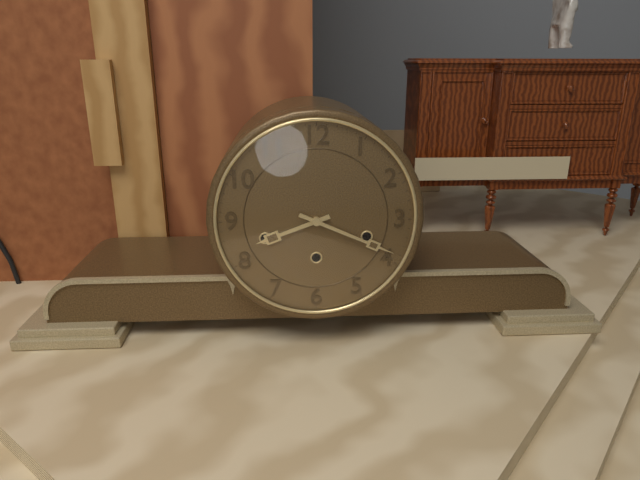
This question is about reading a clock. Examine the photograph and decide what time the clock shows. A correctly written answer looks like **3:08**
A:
**8:19**
